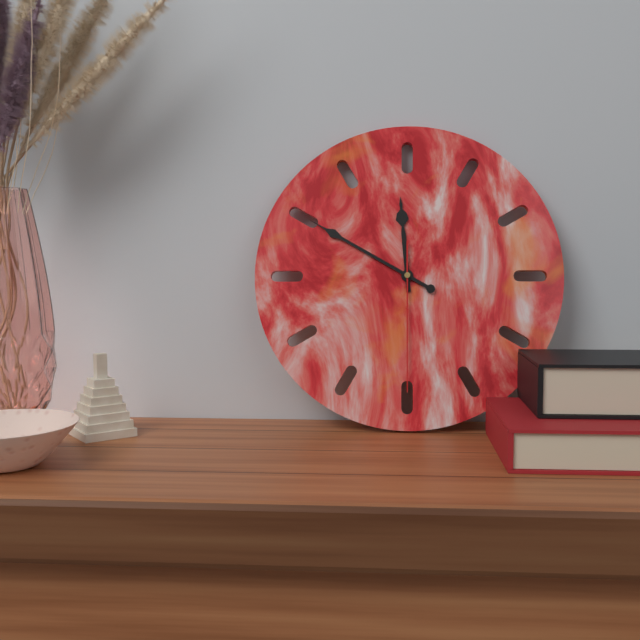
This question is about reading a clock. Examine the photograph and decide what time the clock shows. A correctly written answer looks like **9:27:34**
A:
**11:50:30**
